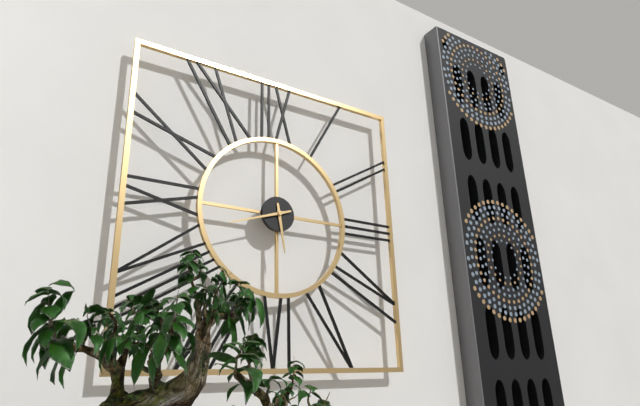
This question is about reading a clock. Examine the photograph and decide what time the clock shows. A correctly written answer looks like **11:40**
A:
**5:42**
